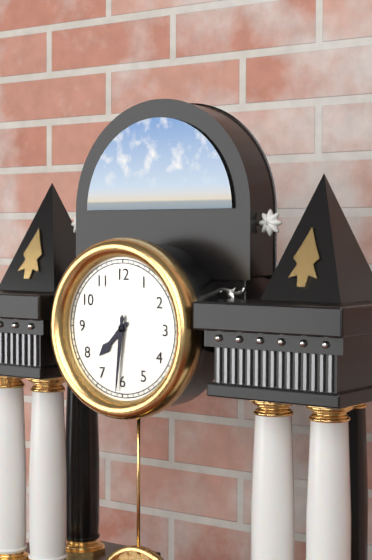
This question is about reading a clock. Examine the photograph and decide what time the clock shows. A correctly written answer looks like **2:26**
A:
**7:31**
